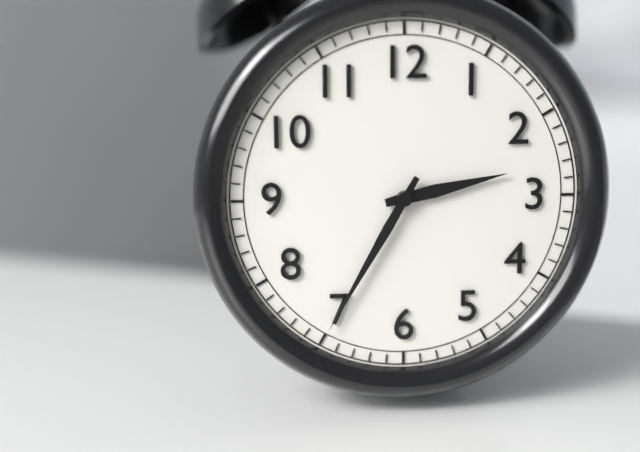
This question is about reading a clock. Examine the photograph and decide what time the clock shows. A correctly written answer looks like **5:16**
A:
**2:35**
